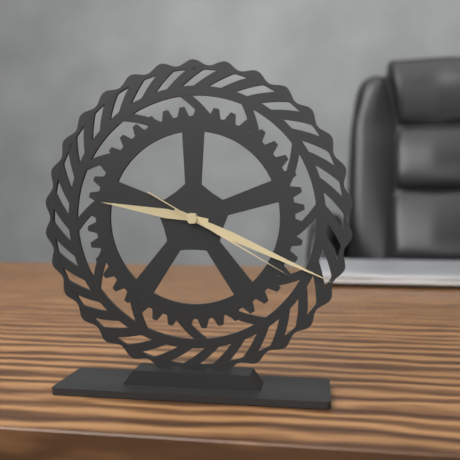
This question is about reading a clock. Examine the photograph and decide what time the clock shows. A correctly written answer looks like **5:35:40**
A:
**9:19:20**
